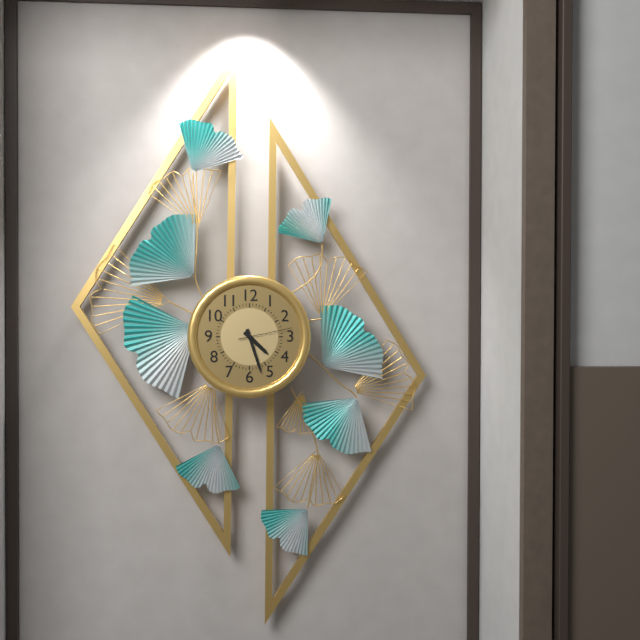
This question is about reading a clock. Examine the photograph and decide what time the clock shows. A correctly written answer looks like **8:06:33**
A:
**4:27:13**
